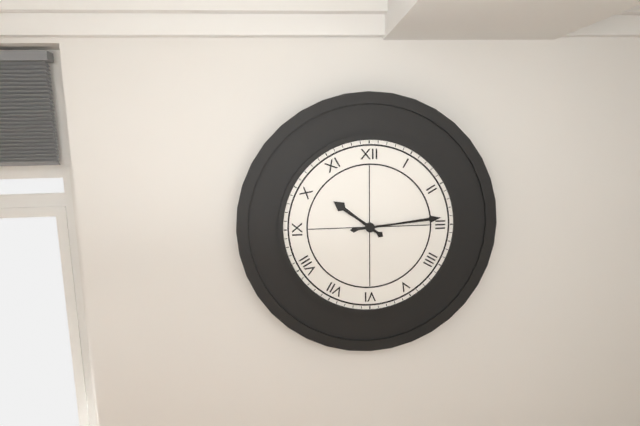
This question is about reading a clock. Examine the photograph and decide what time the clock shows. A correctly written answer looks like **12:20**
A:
**10:14**
